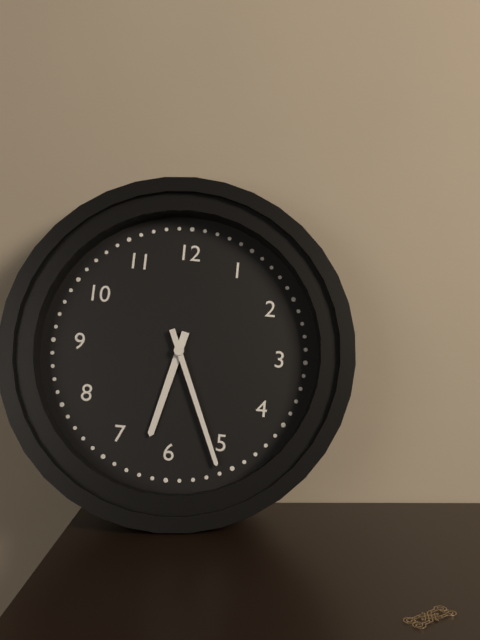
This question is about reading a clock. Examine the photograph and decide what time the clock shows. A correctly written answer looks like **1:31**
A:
**6:26**
